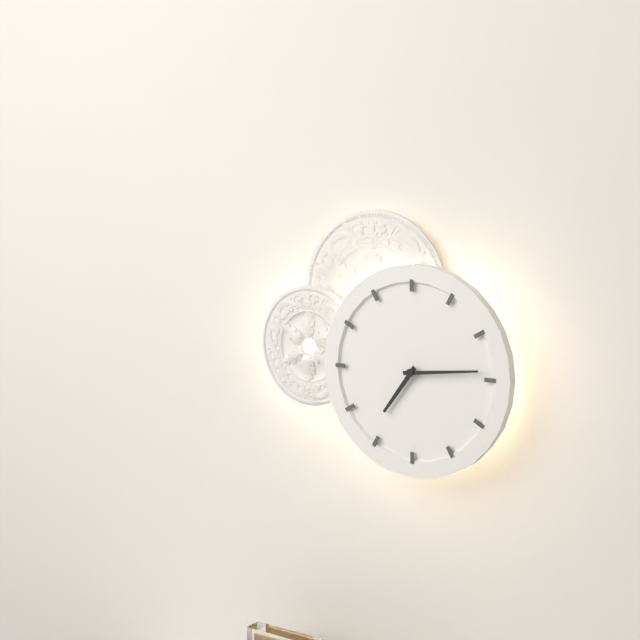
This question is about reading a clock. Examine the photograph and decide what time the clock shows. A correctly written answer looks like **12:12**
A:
**7:14**
